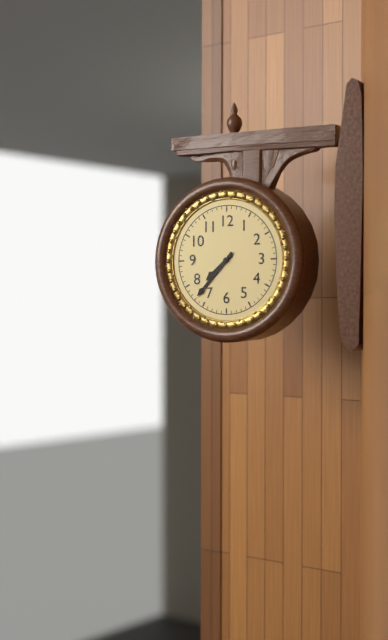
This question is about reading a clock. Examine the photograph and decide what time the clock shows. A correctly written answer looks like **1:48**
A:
**7:37**
